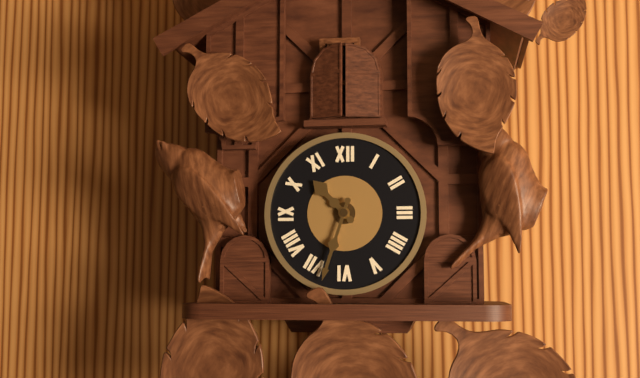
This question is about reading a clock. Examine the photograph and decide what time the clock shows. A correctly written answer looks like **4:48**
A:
**10:33**
